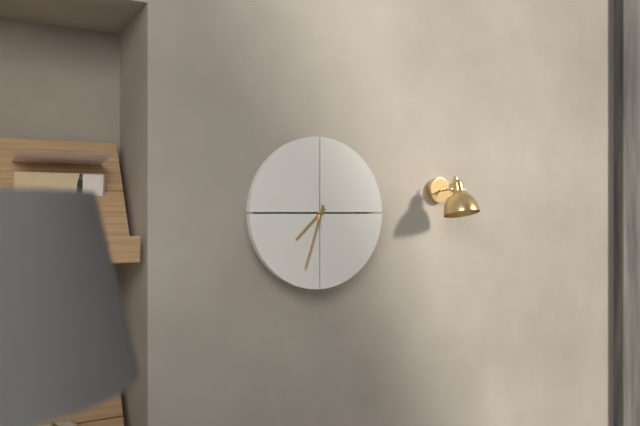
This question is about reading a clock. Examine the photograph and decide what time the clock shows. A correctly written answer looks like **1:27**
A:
**7:33**
